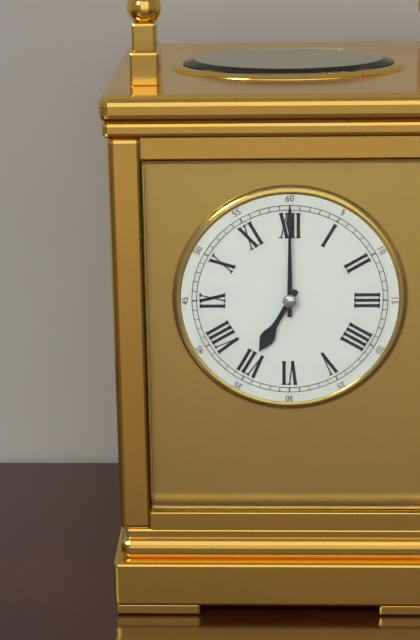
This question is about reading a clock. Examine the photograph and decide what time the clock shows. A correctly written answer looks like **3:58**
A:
**7:00**
